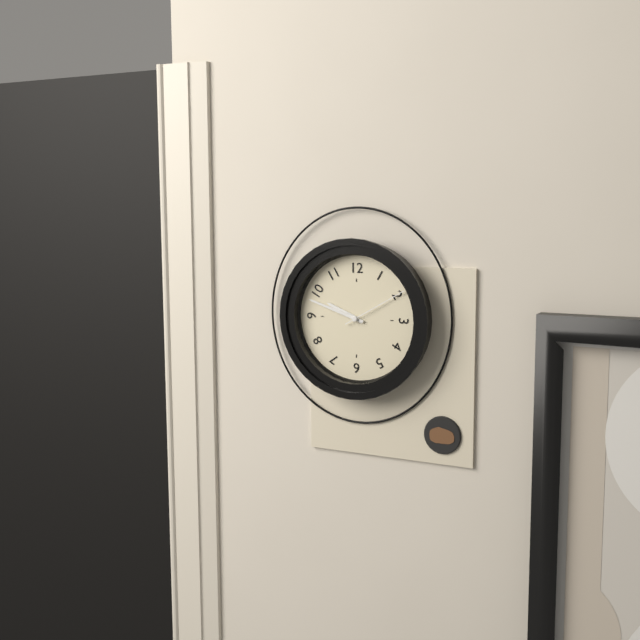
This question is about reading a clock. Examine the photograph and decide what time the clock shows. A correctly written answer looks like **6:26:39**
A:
**9:48:10**
